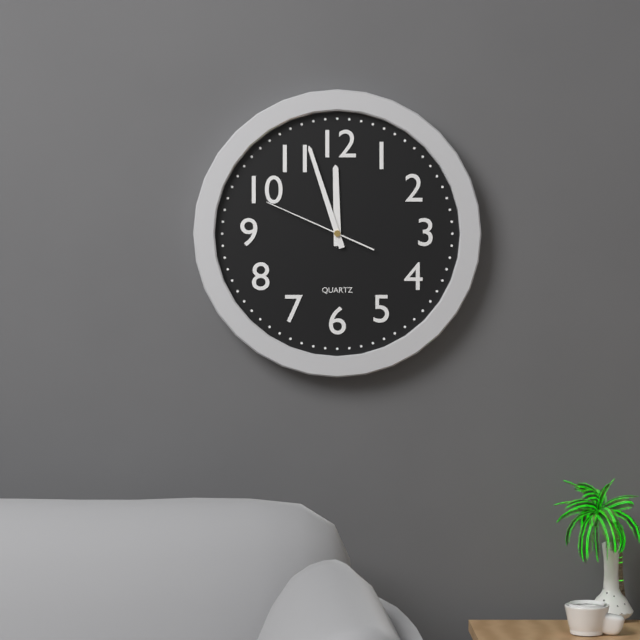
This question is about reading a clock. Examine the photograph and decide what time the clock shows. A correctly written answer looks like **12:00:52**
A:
**11:57:49**
